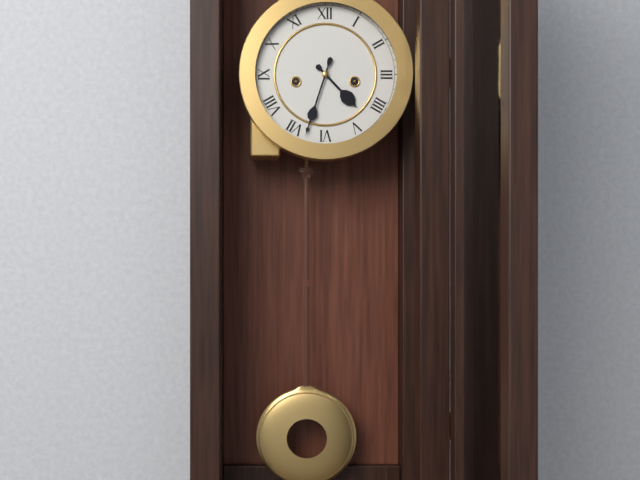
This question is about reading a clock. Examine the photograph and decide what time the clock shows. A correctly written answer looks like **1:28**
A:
**4:33**
